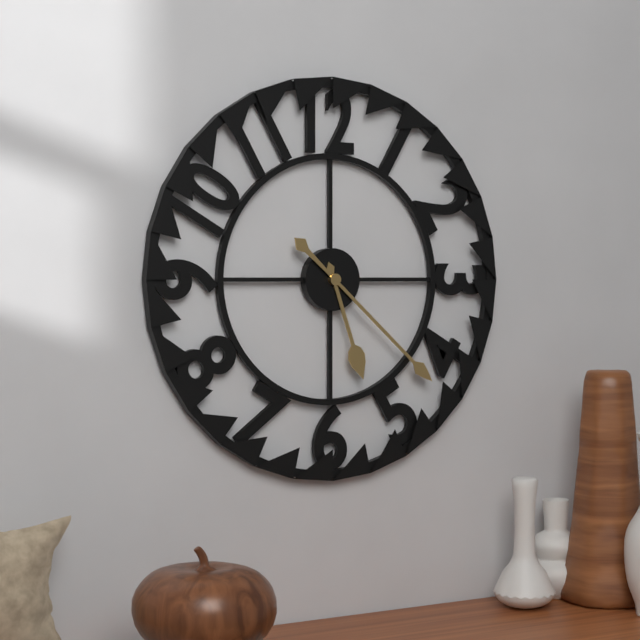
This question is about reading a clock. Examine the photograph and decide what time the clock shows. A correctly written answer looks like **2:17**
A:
**5:22**
